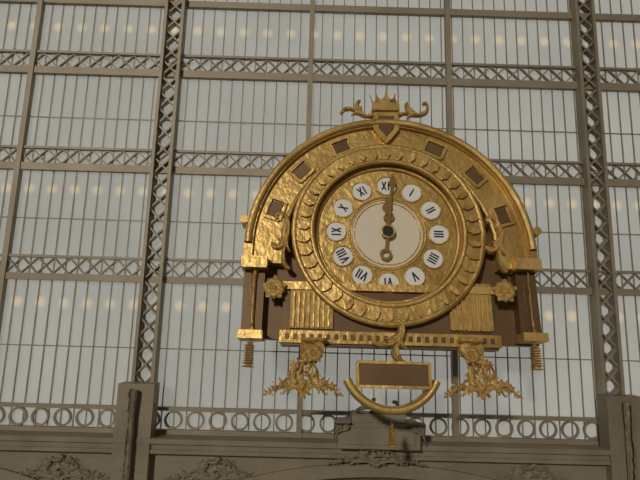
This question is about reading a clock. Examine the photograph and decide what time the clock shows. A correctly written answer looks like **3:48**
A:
**12:01**
